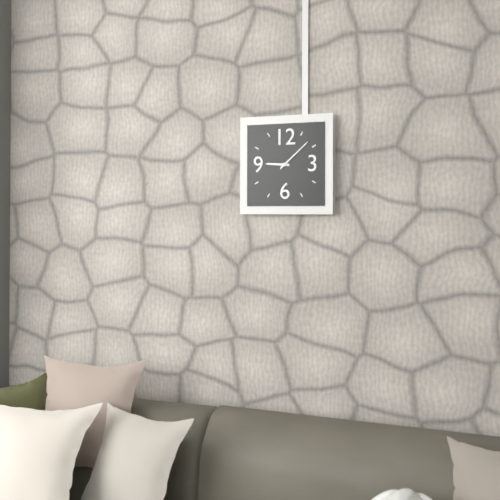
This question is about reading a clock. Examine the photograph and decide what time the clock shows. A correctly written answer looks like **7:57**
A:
**9:08**
